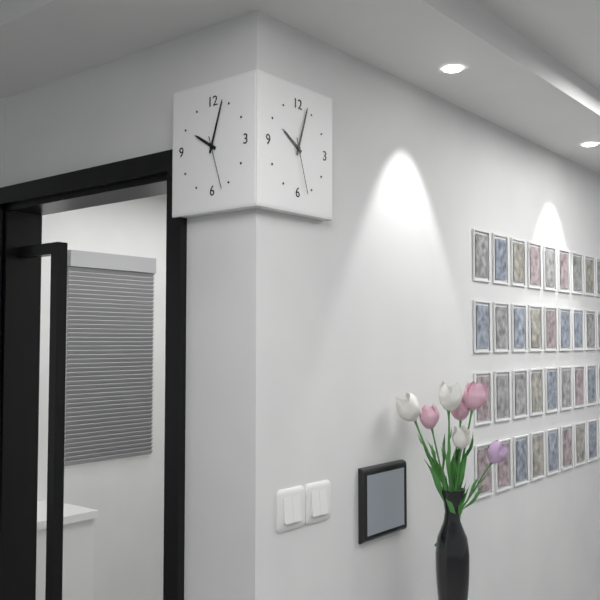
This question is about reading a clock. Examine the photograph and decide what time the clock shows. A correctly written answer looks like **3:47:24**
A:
**10:03:27**
